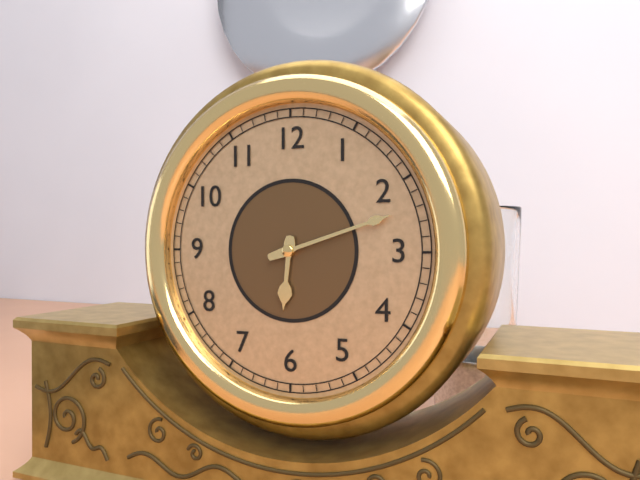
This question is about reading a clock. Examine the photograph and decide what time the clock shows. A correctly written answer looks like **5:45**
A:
**6:12**
